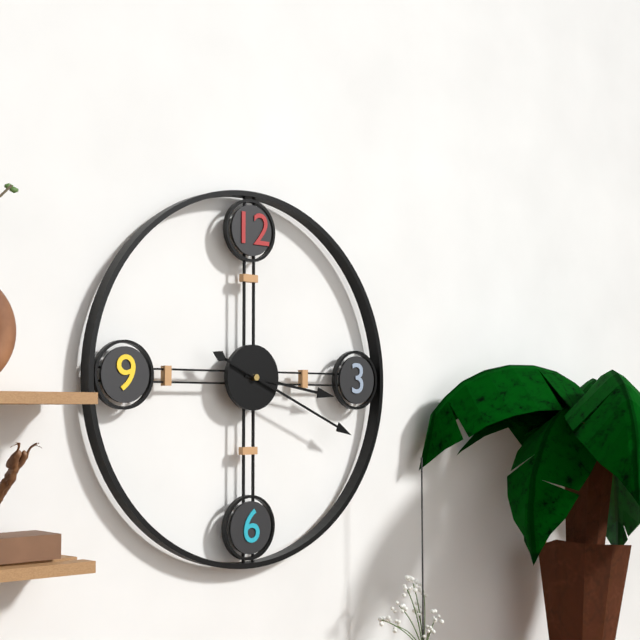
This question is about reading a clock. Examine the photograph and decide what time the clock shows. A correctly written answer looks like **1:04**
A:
**3:19**
